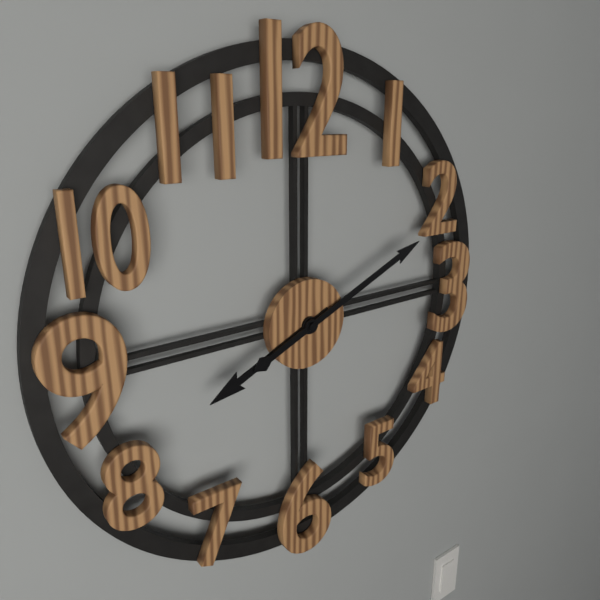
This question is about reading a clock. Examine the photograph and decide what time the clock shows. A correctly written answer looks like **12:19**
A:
**8:11**
